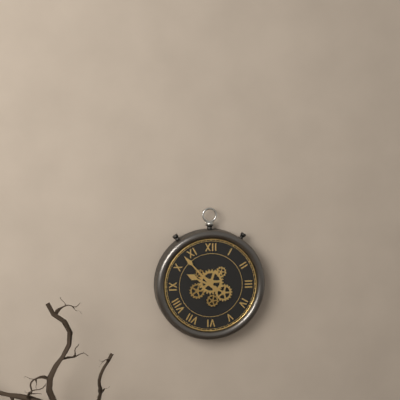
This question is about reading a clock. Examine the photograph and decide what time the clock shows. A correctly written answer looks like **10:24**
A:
**9:53**
